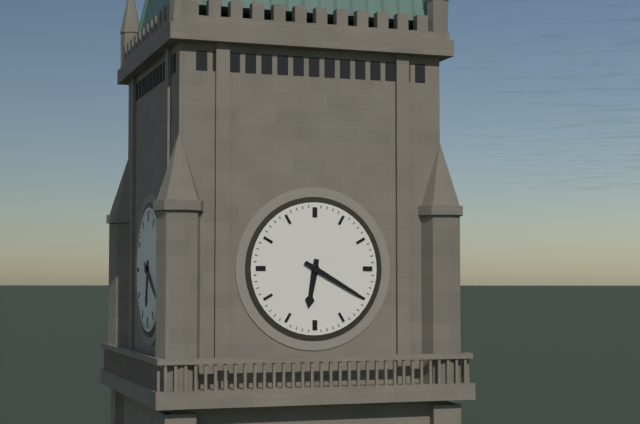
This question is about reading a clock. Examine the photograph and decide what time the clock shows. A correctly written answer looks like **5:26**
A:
**6:20**
